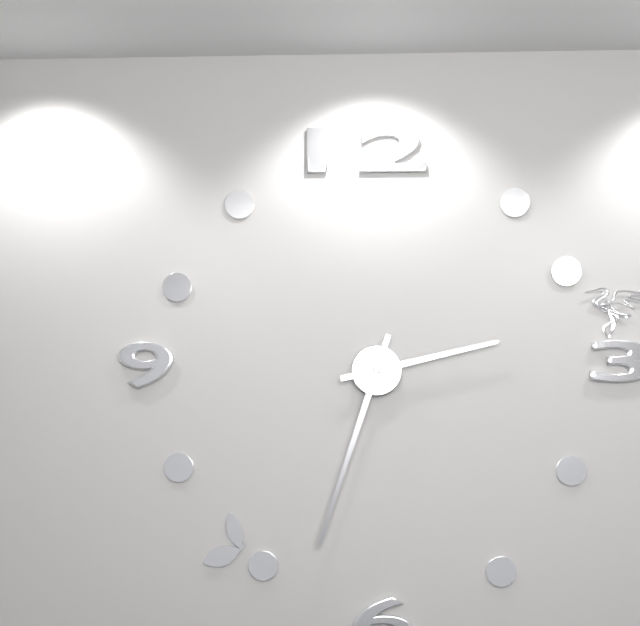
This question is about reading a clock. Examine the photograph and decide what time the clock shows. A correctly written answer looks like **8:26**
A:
**2:33**
